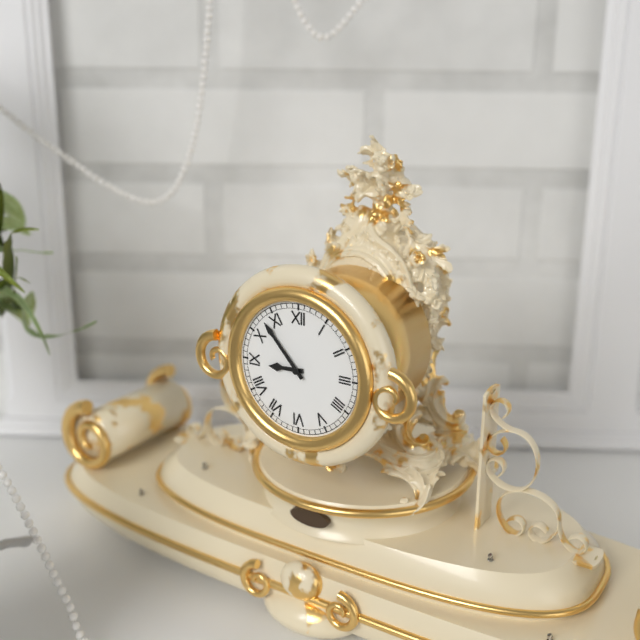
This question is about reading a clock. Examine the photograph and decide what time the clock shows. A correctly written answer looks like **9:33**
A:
**8:53**
